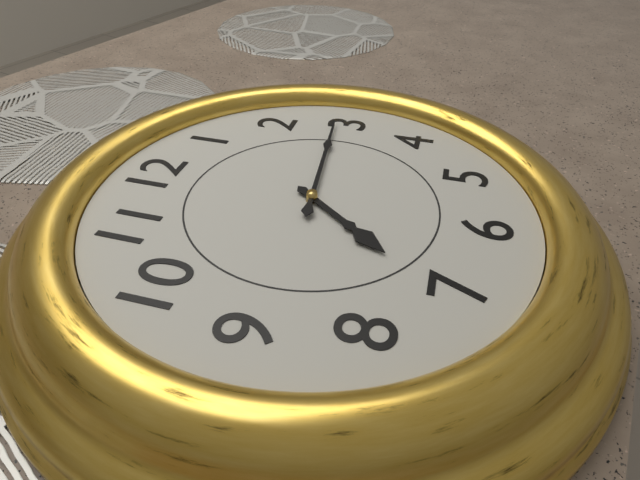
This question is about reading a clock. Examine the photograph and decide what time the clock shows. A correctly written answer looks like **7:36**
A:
**7:14**
